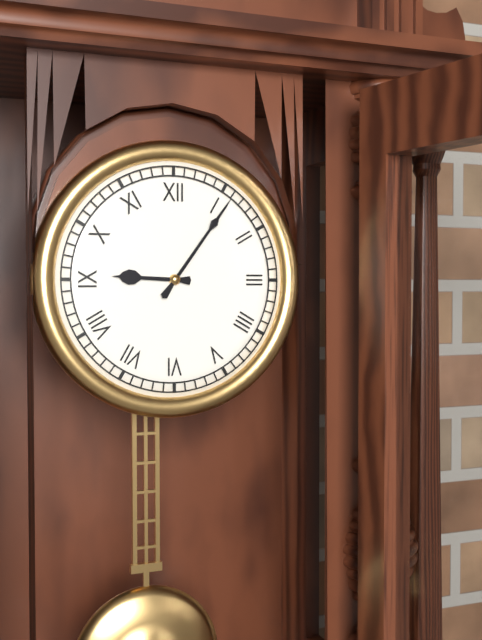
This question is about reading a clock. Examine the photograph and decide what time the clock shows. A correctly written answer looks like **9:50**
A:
**9:06**
